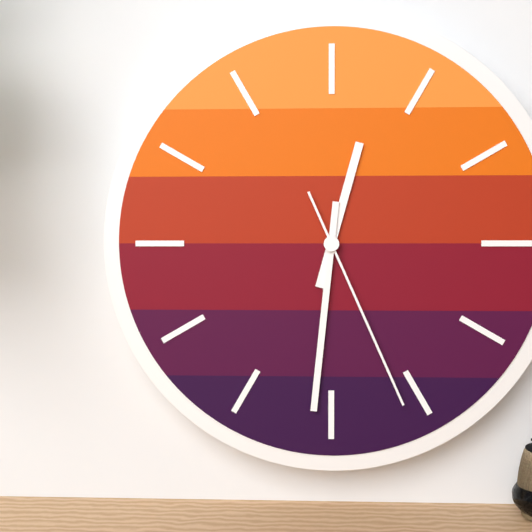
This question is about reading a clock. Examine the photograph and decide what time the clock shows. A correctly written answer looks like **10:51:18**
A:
**12:31:26**
